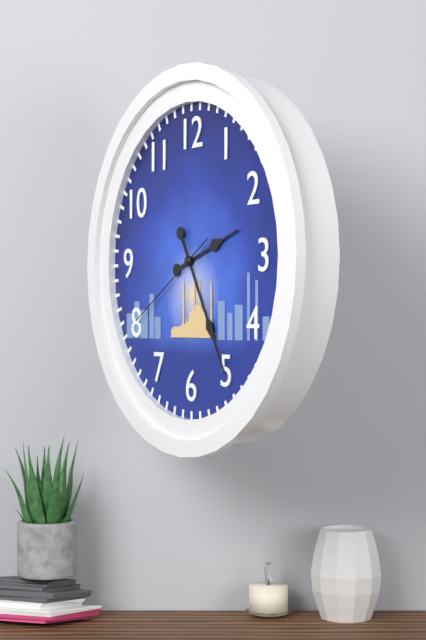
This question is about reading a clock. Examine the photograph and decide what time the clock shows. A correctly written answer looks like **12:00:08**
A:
**2:25:40**
